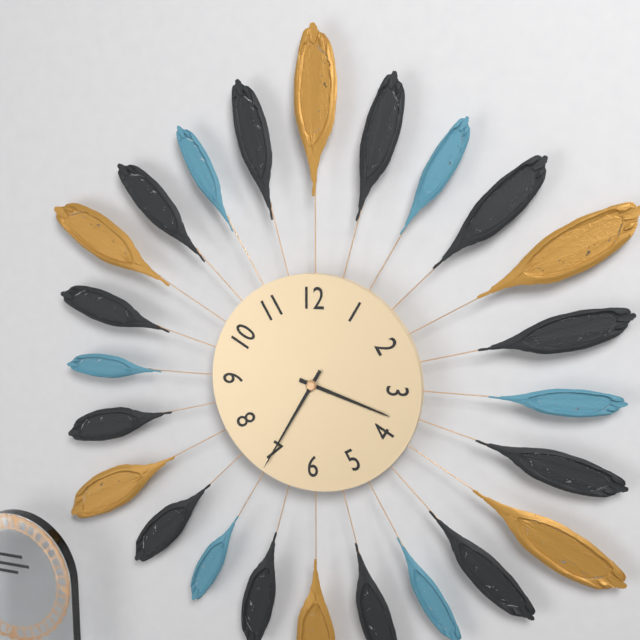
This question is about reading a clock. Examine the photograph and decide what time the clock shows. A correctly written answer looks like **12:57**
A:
**3:35**
